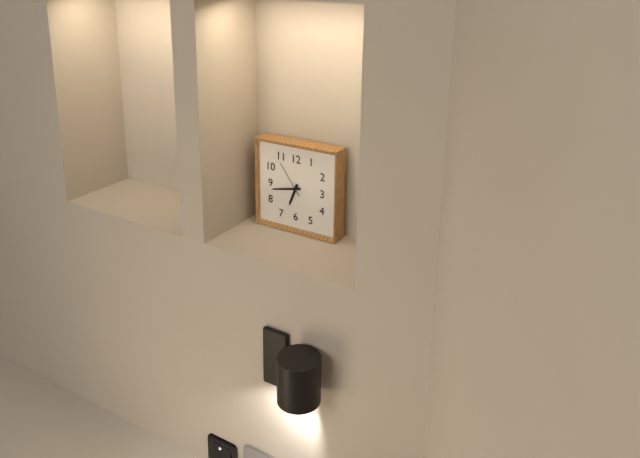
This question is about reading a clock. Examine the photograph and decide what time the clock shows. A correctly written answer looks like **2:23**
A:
**6:43**
